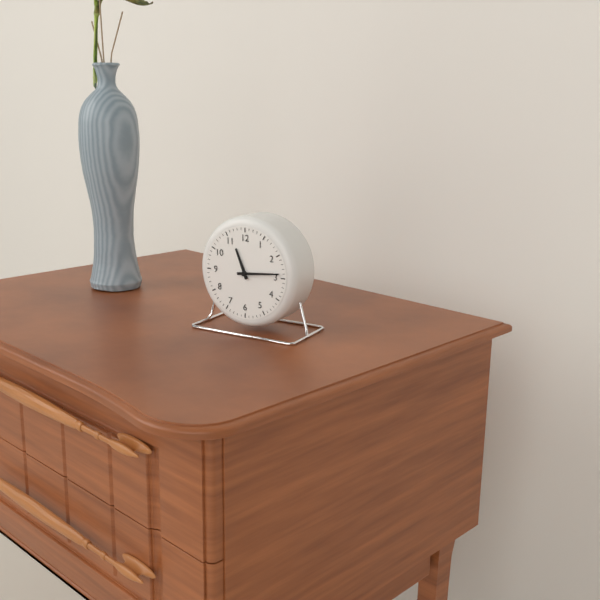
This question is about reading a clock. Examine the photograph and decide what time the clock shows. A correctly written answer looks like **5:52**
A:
**11:14**
